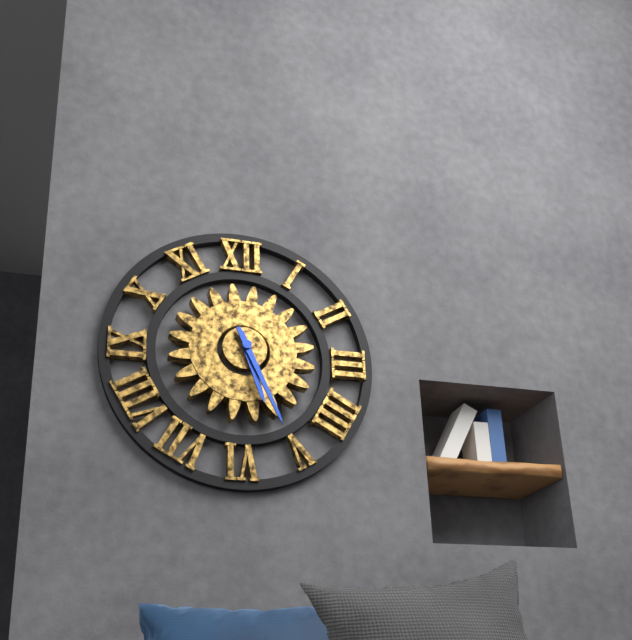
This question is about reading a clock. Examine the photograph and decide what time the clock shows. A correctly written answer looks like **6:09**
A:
**5:26**
